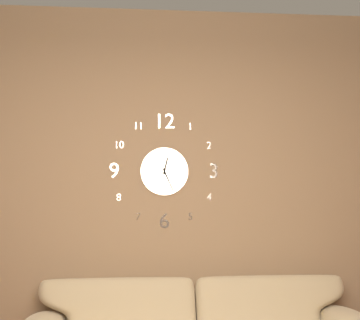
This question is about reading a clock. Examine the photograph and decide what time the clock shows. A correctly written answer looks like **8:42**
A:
**12:26**
